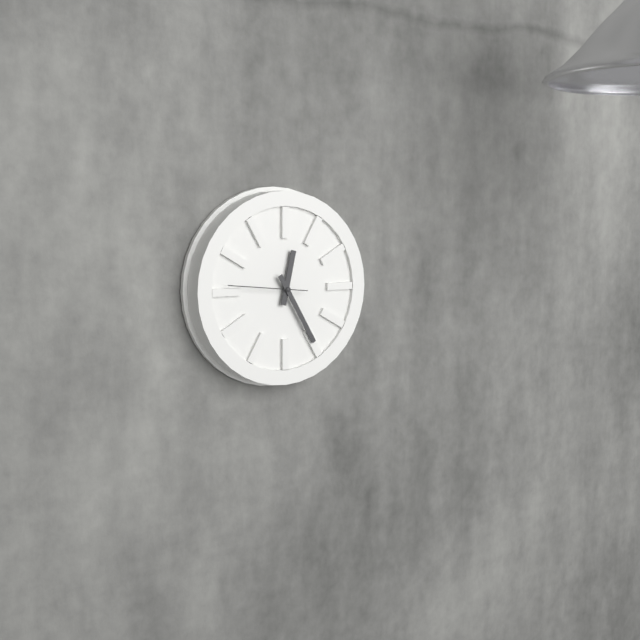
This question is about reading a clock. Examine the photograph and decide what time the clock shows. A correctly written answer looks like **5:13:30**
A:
**12:25:46**
